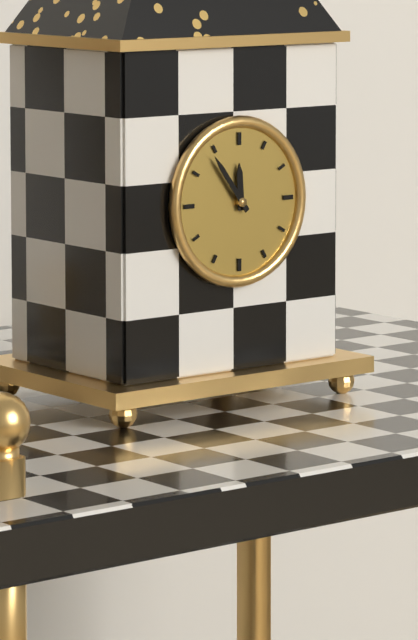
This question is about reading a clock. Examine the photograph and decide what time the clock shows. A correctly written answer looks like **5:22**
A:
**11:54**
